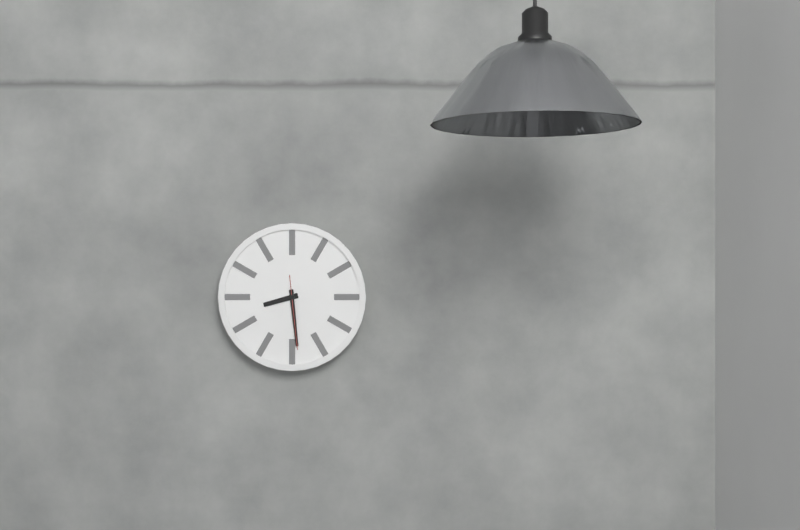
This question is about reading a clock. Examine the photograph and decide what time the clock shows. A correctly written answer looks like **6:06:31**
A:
**8:29:29**
